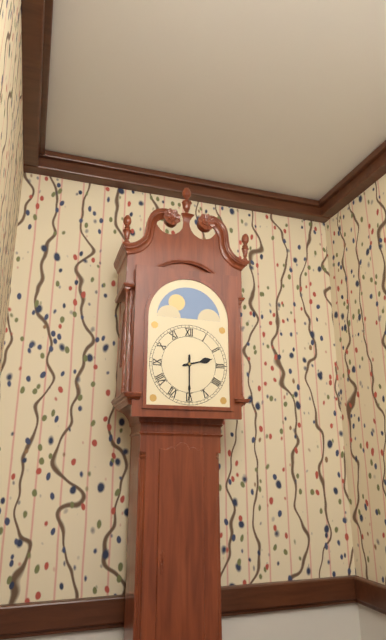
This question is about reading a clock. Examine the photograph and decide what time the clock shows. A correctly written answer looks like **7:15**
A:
**2:30**
